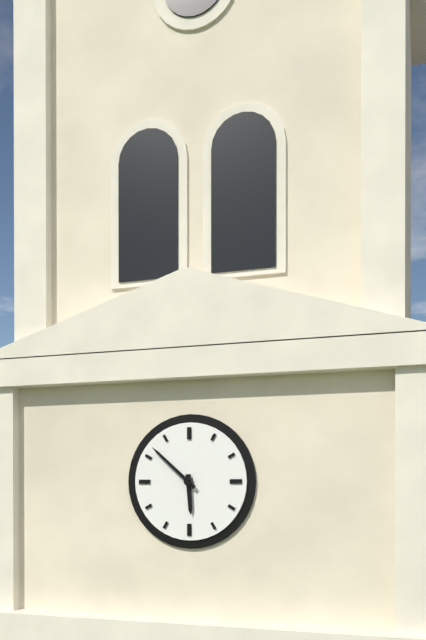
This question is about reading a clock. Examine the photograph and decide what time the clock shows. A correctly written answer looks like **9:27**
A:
**5:52**
